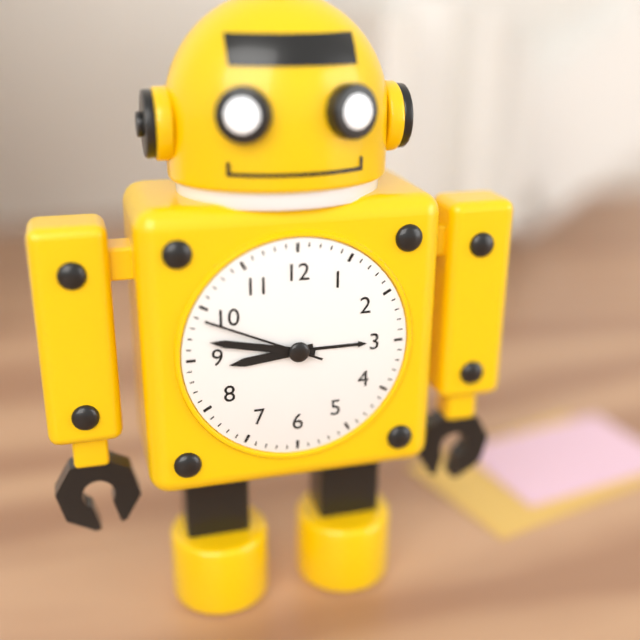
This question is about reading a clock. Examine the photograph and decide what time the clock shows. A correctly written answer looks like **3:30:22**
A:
**8:47:49**
